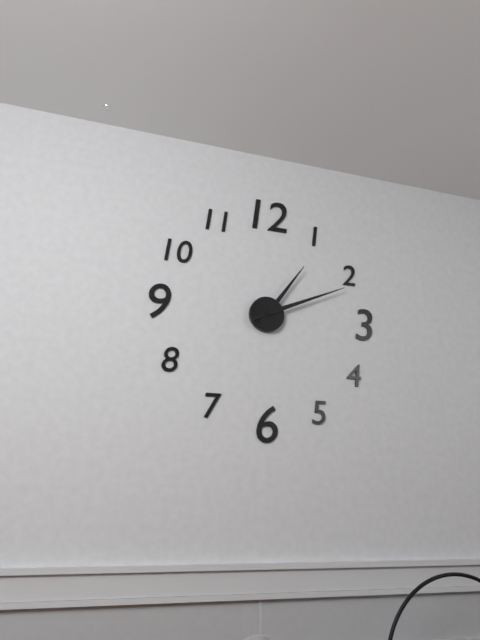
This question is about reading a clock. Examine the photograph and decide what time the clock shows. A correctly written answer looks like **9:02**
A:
**1:11**
